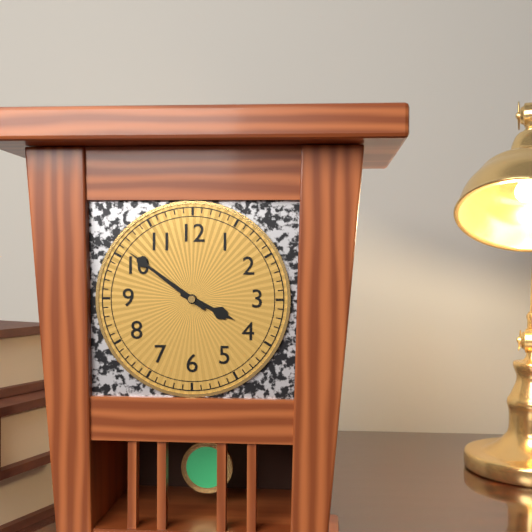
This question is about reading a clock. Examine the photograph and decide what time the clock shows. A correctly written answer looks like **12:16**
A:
**3:51**
